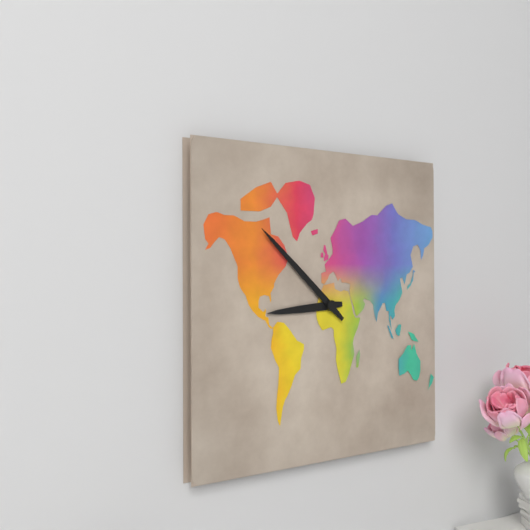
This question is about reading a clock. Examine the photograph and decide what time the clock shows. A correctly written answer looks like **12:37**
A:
**8:52**
